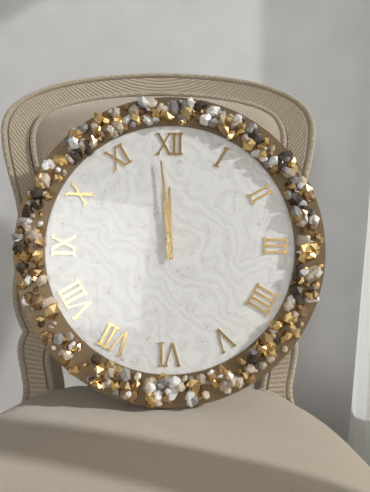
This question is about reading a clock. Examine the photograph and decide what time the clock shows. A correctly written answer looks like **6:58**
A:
**11:59**
